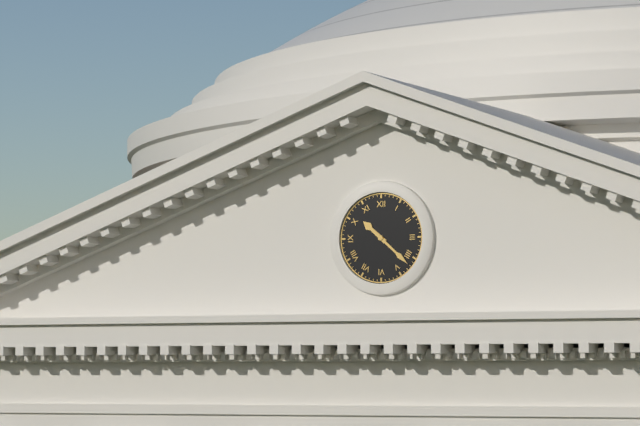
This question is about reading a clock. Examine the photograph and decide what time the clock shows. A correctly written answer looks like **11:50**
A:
**10:22**
